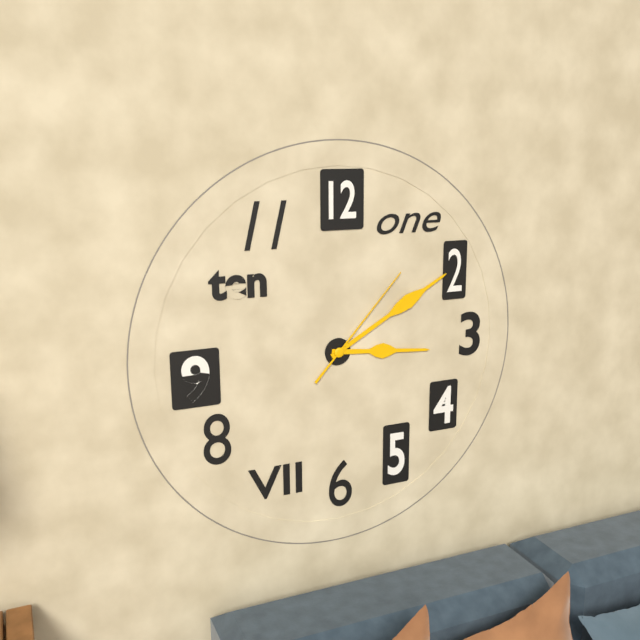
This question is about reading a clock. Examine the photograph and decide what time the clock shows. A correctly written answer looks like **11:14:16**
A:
**3:10:07**
